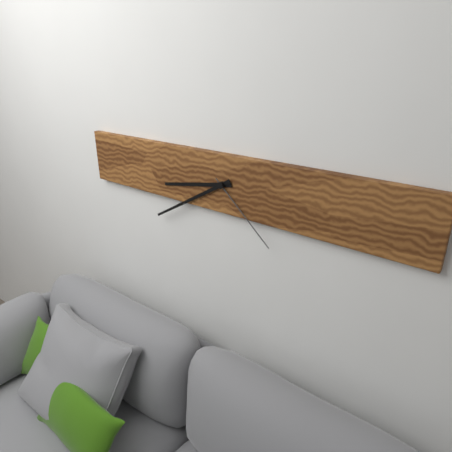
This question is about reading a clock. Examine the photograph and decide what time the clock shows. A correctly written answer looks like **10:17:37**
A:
**8:40:22**
